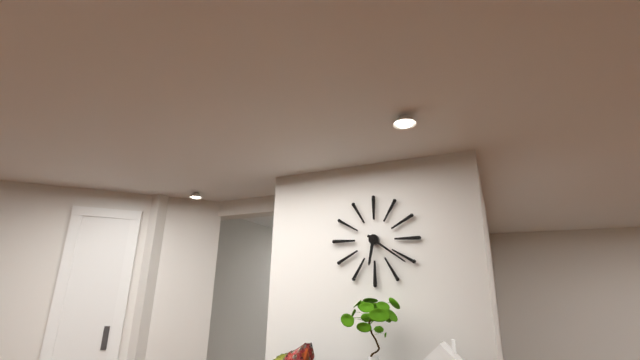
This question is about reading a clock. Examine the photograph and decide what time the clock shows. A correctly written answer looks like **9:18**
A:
**6:21**
